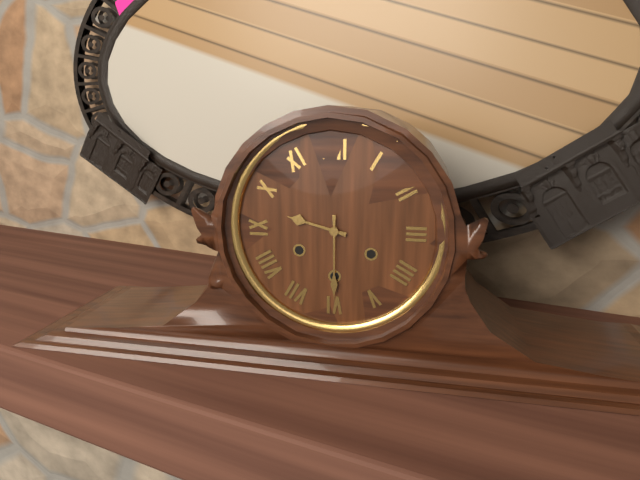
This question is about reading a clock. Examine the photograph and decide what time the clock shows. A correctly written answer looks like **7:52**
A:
**9:30**
